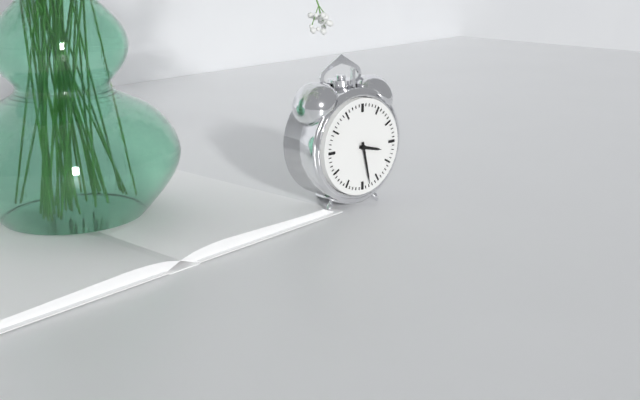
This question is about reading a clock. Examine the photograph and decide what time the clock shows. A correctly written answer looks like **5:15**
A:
**3:28**
